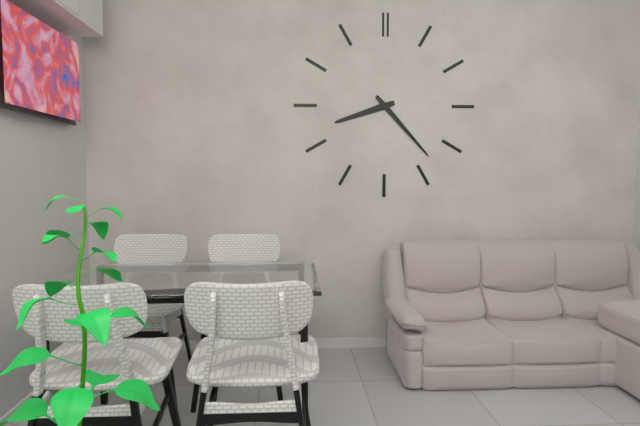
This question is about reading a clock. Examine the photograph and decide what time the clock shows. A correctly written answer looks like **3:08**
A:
**8:23**
